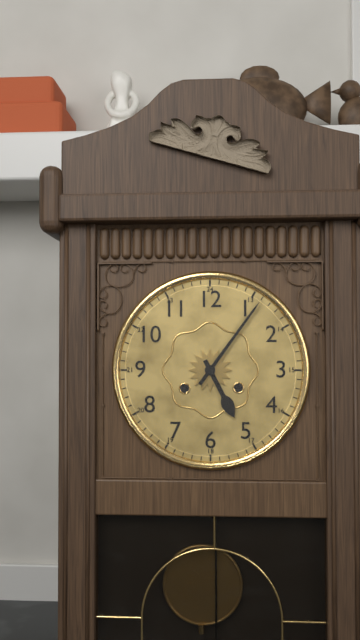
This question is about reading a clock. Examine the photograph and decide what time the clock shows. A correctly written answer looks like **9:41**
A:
**5:06**
